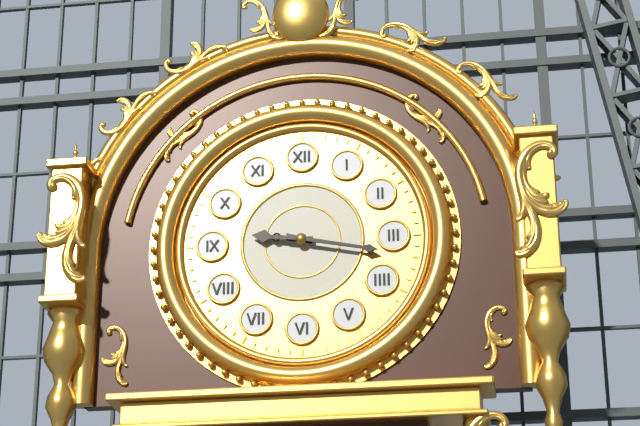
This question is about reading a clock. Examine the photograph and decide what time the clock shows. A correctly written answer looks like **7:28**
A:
**9:17**
